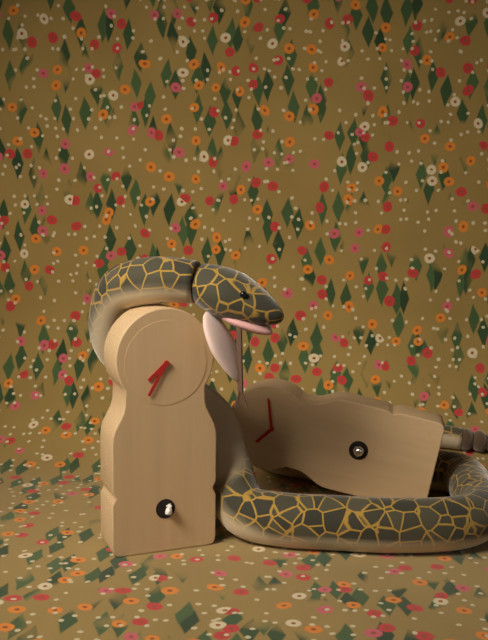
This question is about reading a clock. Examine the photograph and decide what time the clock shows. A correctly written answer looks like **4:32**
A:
**7:35**
